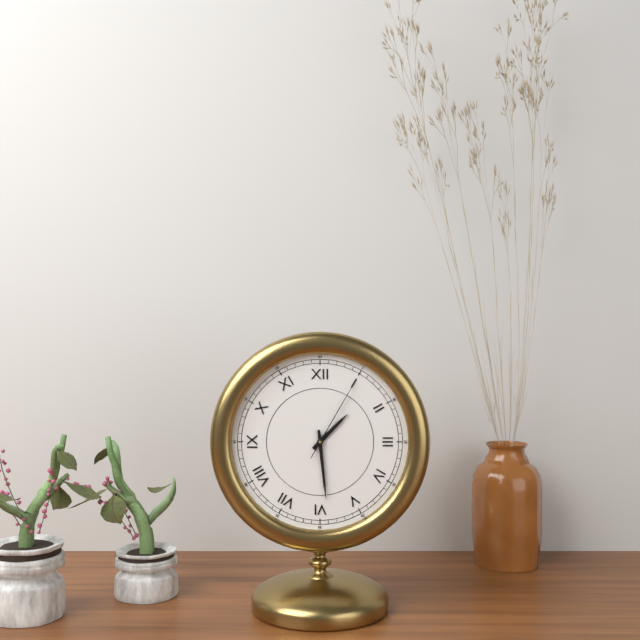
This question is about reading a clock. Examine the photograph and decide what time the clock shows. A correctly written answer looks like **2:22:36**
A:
**1:29:05**
